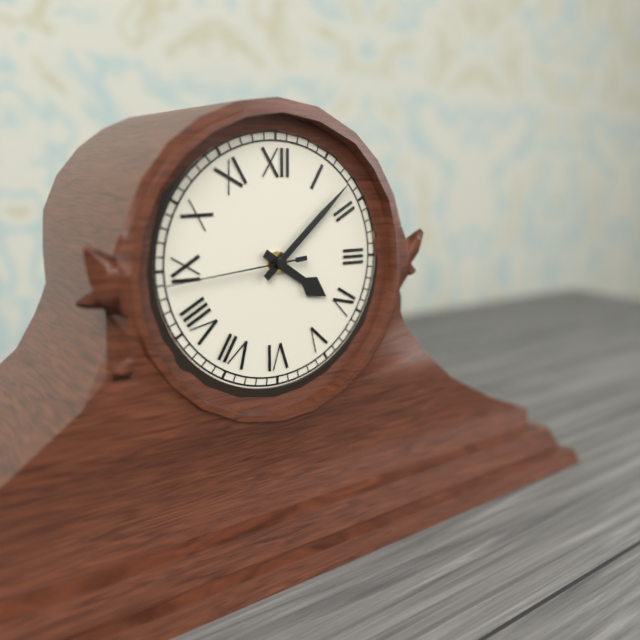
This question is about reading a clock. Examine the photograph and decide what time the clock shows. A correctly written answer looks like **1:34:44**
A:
**4:08:44**
